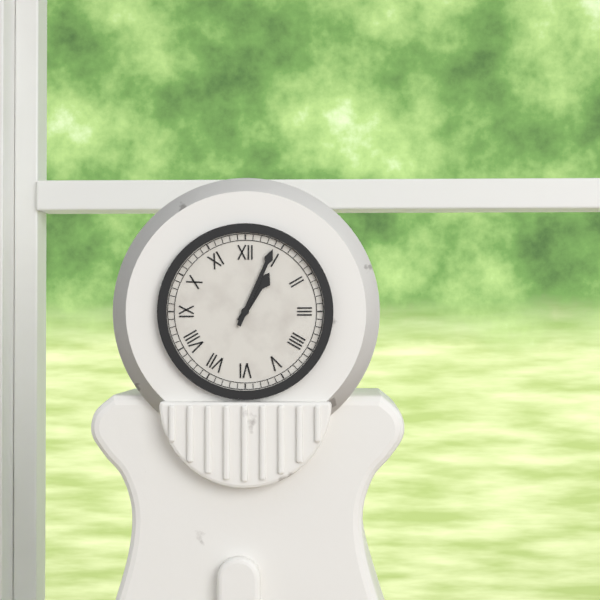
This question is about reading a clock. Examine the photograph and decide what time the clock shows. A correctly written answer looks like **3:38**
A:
**1:04**
